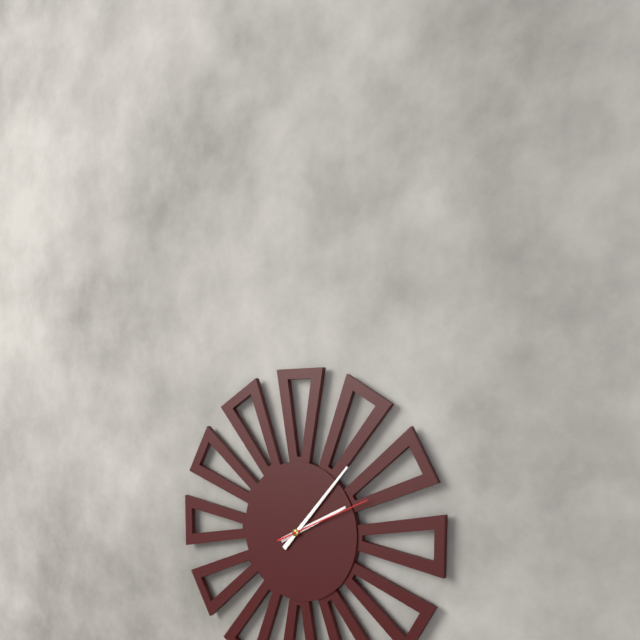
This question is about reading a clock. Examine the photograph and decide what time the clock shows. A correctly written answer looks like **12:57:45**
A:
**2:07:11**
